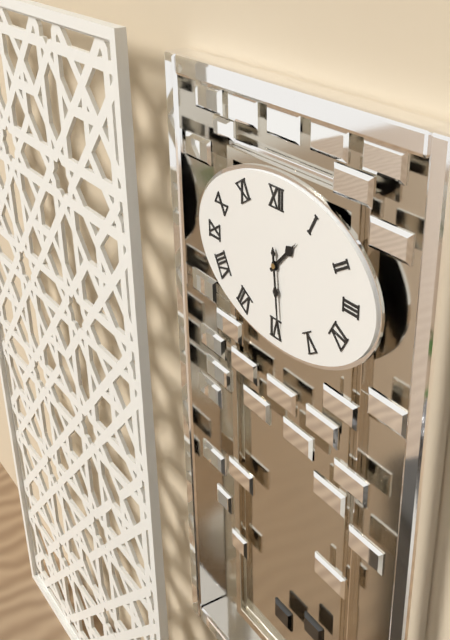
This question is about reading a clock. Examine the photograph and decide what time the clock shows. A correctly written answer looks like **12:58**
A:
**1:29**
